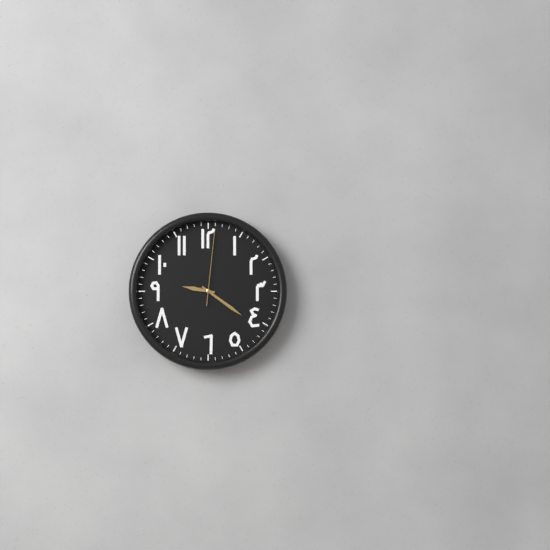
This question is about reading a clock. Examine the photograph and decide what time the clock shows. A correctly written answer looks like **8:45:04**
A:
**9:21:01**
